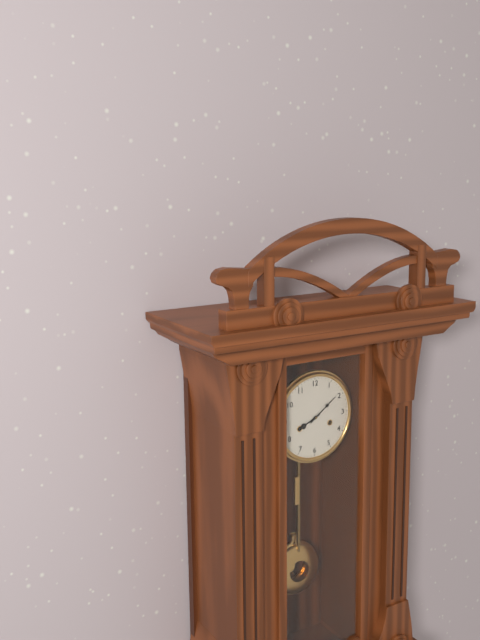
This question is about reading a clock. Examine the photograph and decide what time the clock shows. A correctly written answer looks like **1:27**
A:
**8:09**
